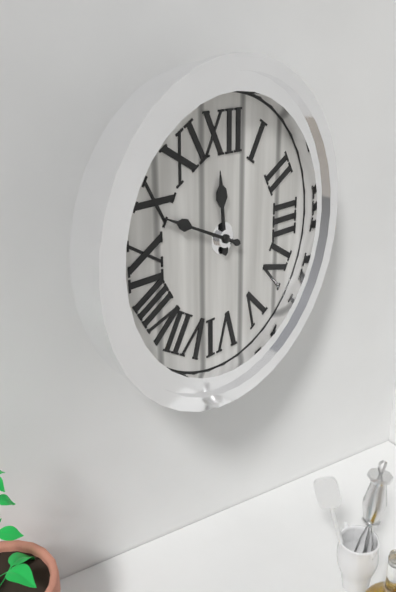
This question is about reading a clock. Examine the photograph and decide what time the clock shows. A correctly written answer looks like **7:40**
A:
**11:49**
